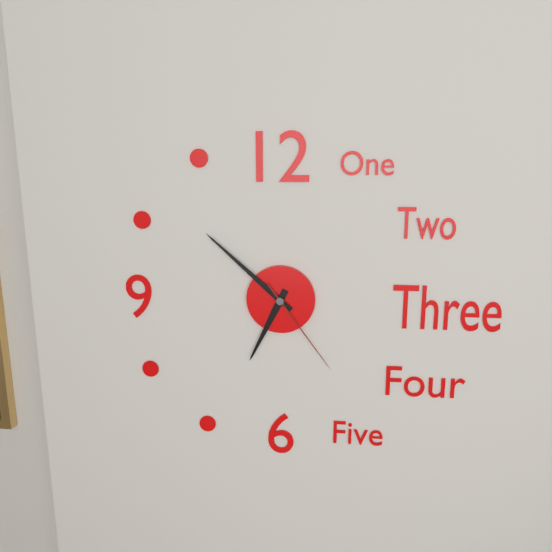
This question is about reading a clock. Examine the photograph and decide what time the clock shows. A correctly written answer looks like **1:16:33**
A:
**6:52:24**
